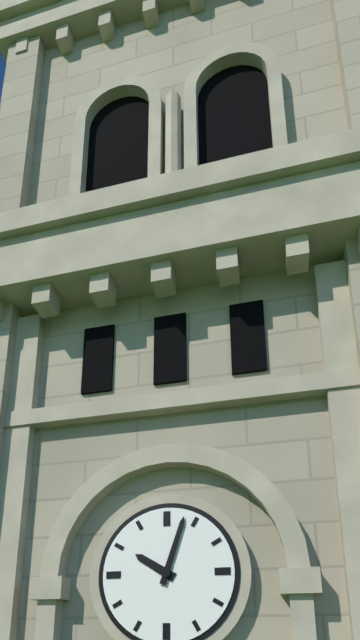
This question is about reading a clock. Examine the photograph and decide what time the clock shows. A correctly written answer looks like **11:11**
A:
**10:03**
